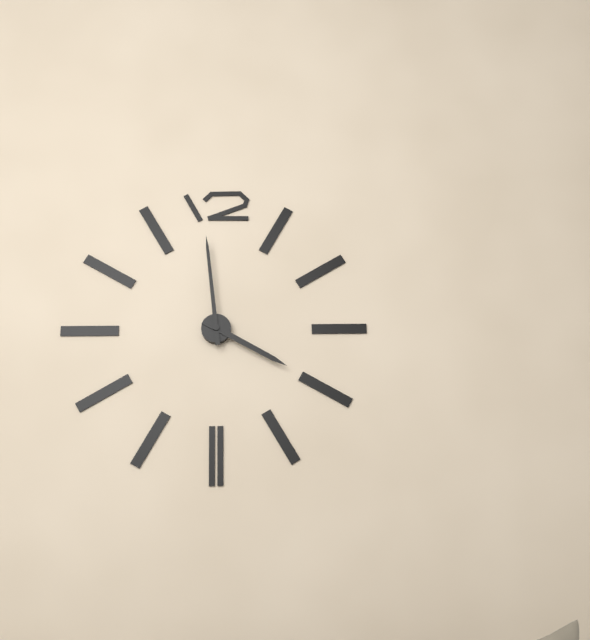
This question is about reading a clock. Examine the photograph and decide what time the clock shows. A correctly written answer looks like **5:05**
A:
**3:59**
